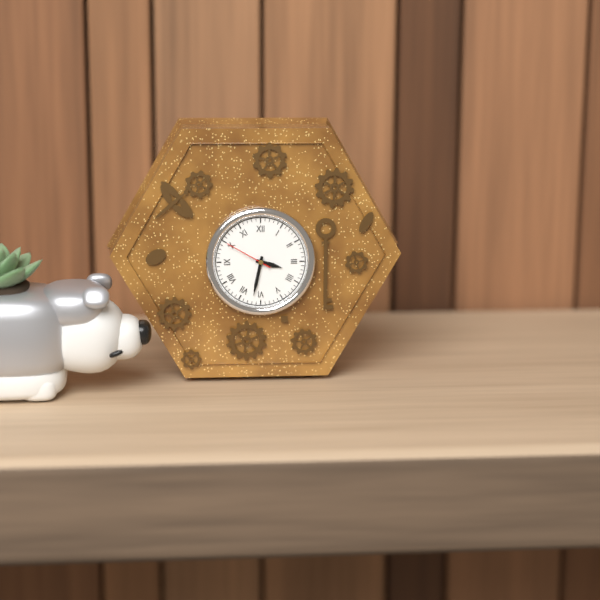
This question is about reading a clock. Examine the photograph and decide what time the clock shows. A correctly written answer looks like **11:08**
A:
**3:32**
